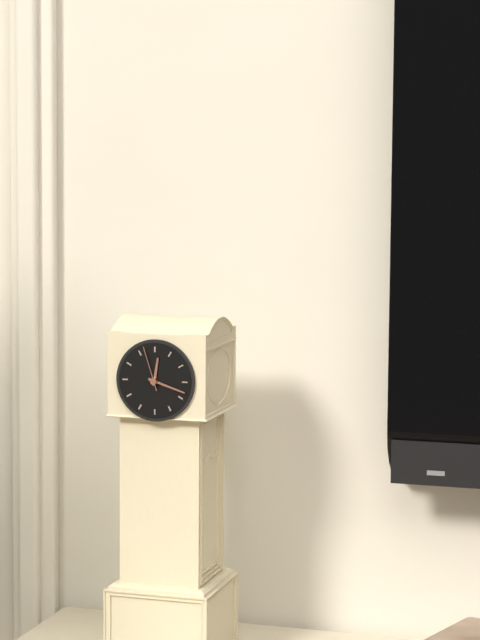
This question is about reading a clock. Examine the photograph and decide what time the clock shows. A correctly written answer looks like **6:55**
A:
**12:18**
